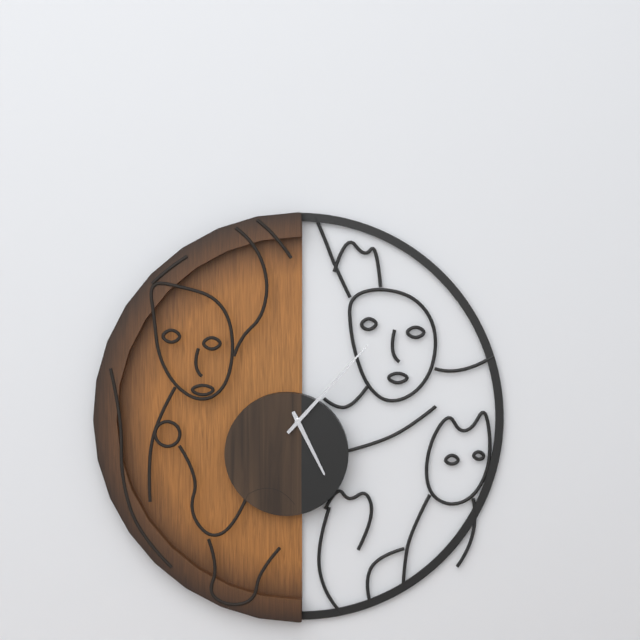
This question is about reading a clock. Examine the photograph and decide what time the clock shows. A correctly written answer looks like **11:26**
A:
**5:07**
